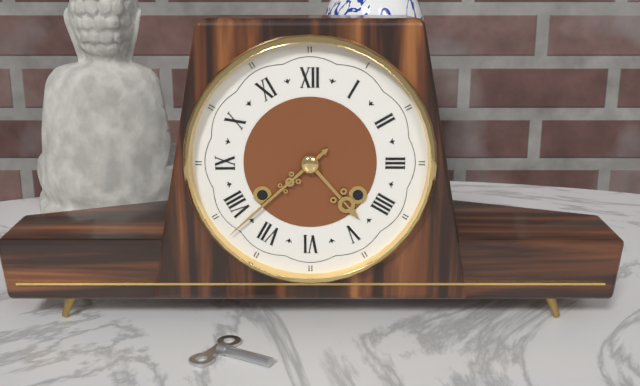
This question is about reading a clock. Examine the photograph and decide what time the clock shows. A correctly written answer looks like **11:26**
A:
**4:38**
